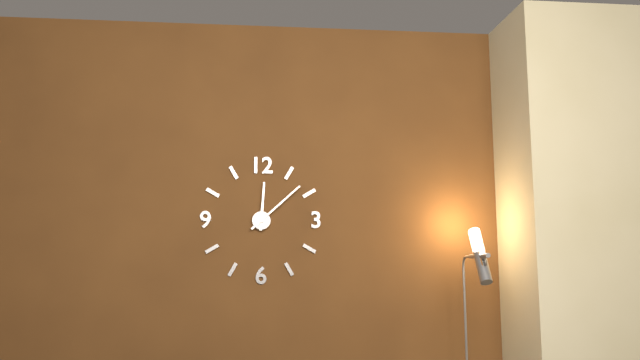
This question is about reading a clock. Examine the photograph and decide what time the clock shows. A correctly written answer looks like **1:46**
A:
**12:08**
